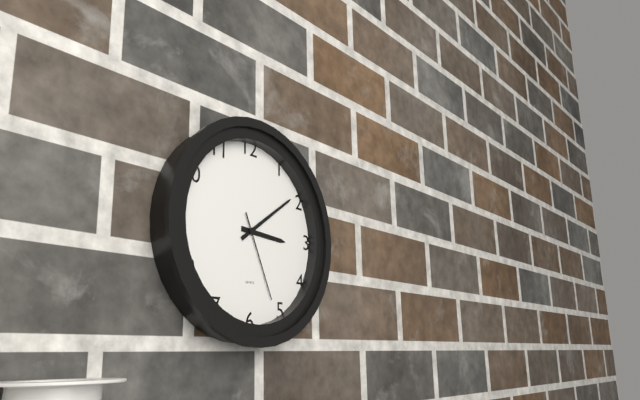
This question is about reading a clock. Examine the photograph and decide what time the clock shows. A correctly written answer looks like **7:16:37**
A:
**3:09:26**
